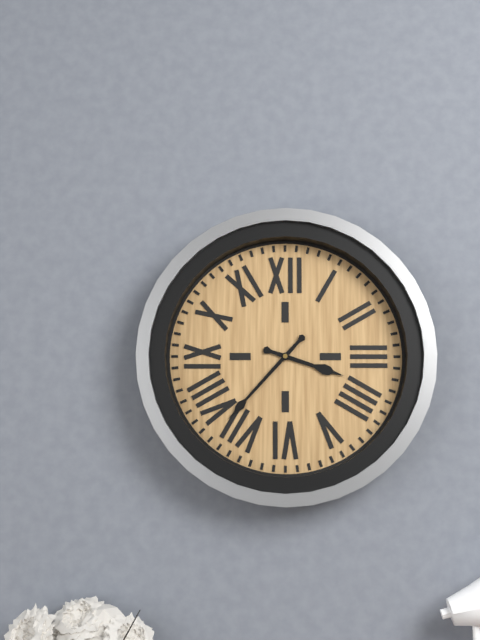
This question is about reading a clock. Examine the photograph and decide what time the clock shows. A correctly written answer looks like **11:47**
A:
**3:37**
